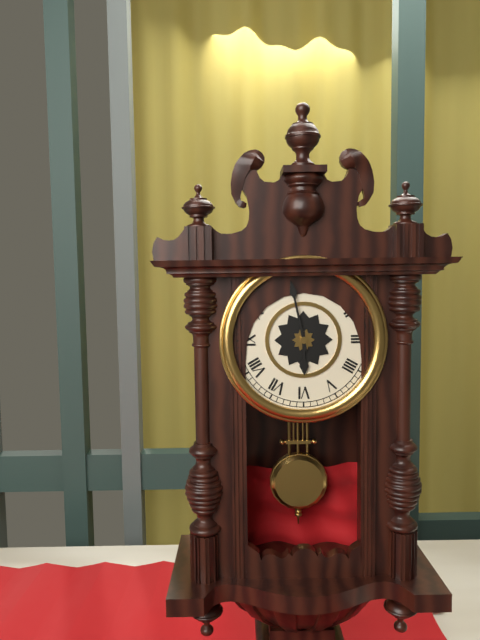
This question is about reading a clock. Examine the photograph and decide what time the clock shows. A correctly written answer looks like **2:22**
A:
**5:58**
